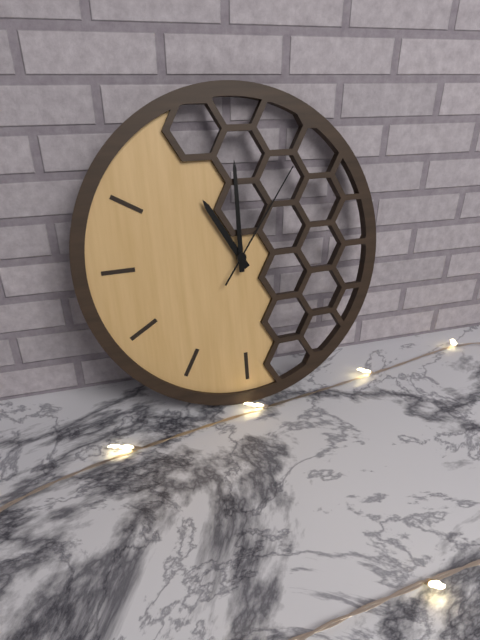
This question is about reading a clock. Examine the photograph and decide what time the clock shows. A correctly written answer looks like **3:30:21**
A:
**11:00:06**
